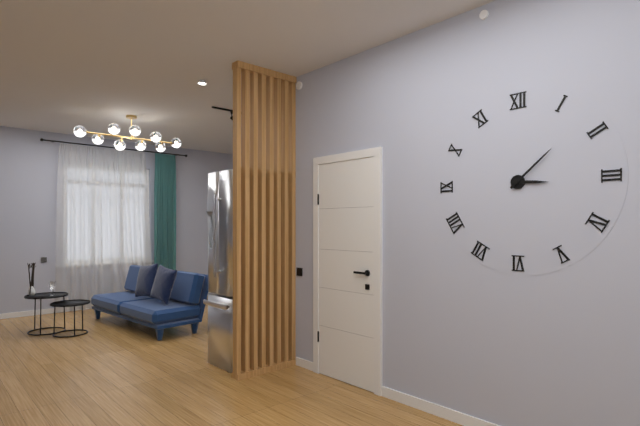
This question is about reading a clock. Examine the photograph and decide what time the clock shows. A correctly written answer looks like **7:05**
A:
**3:08**
